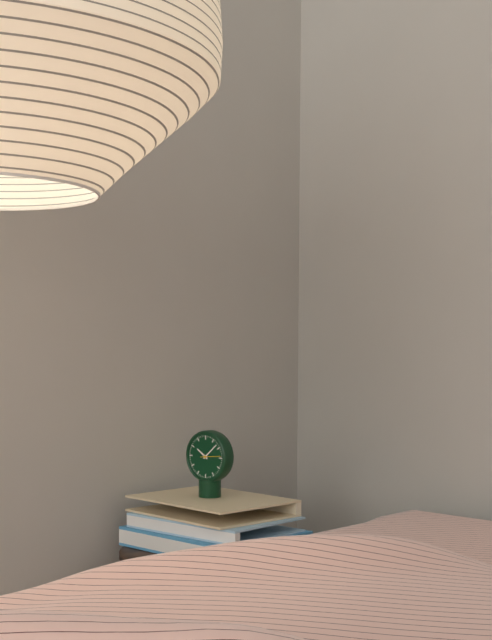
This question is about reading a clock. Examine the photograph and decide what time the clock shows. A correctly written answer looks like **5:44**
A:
**10:08**
